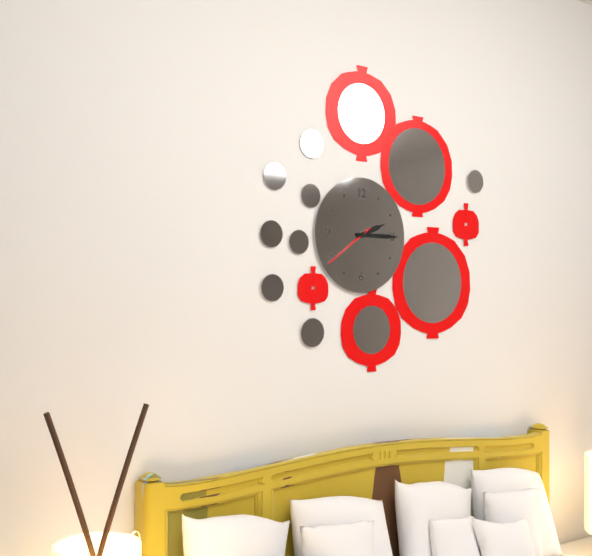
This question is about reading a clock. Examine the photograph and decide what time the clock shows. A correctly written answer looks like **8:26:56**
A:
**2:15:39**
